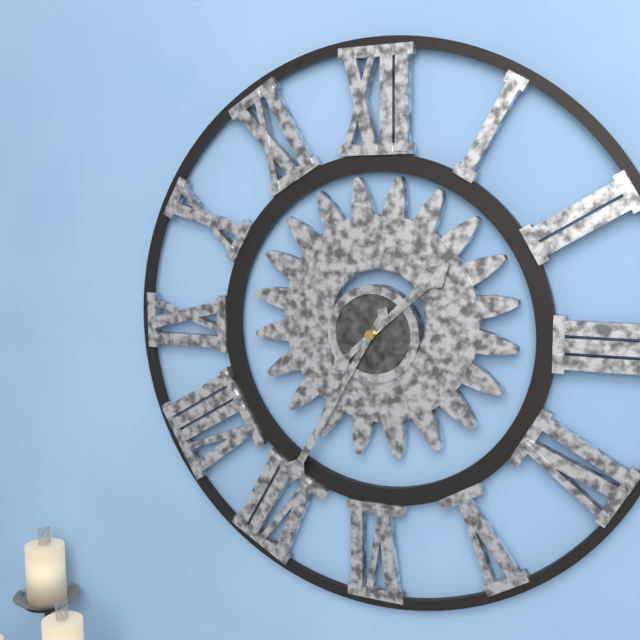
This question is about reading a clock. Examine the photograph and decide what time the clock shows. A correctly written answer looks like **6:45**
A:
**1:35**
